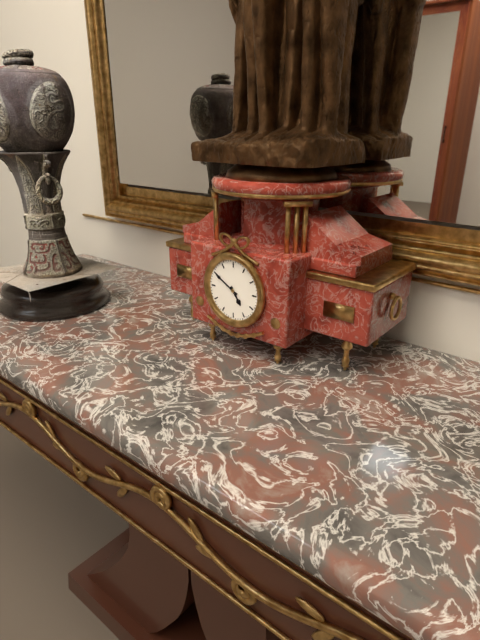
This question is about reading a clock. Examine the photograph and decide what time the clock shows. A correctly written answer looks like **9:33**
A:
**4:50**
